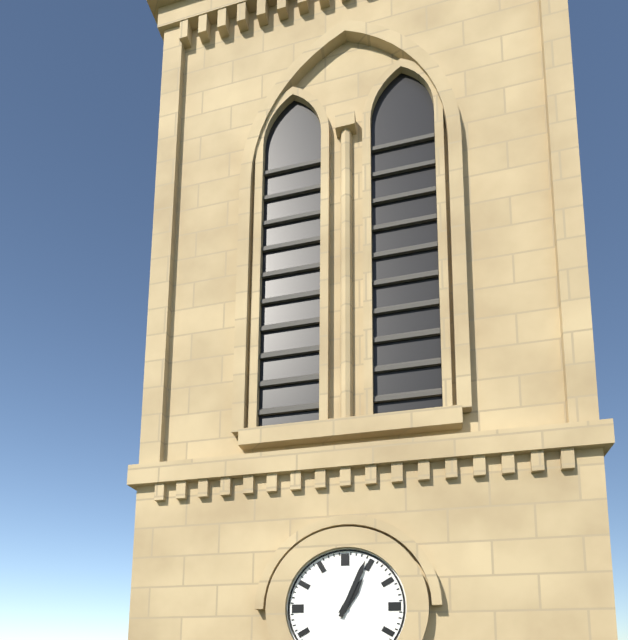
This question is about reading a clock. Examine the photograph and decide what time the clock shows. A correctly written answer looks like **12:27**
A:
**1:04**
